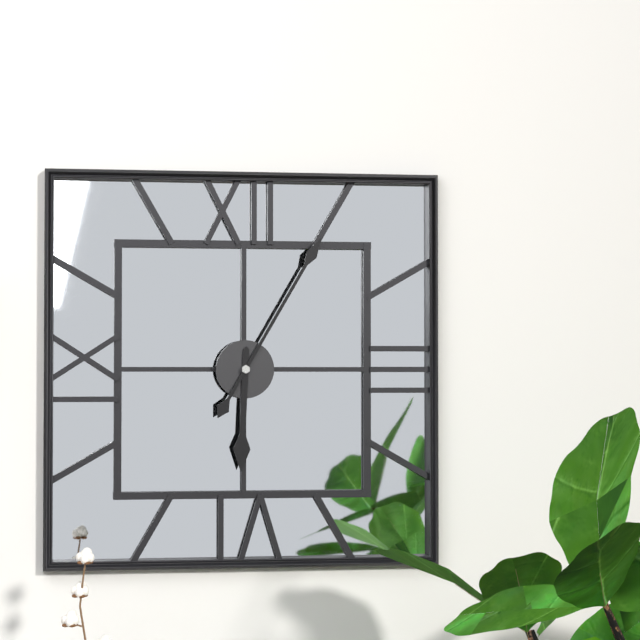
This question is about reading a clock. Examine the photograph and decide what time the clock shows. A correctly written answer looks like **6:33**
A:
**6:05**
